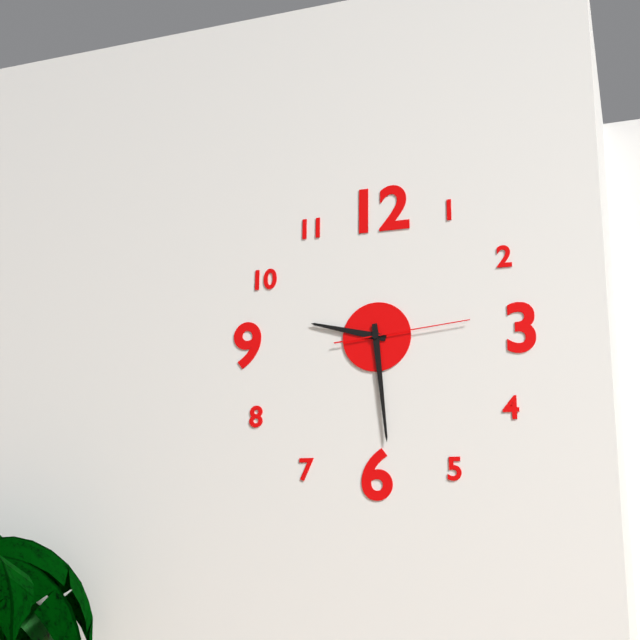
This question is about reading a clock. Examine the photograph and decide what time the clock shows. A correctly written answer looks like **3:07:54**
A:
**9:29:14**
